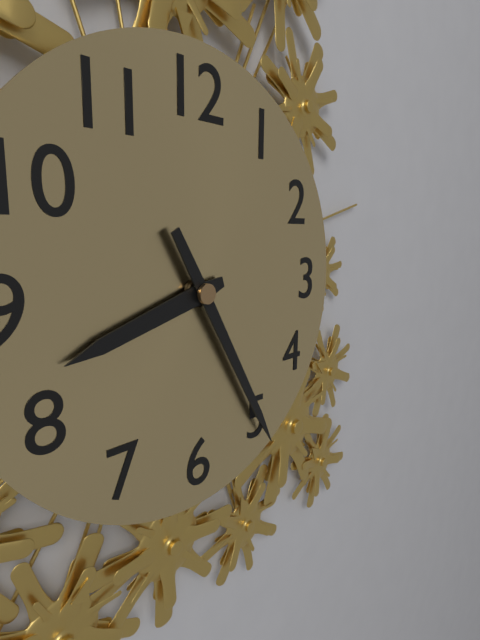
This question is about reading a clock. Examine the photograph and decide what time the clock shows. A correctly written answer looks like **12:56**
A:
**8:25**
